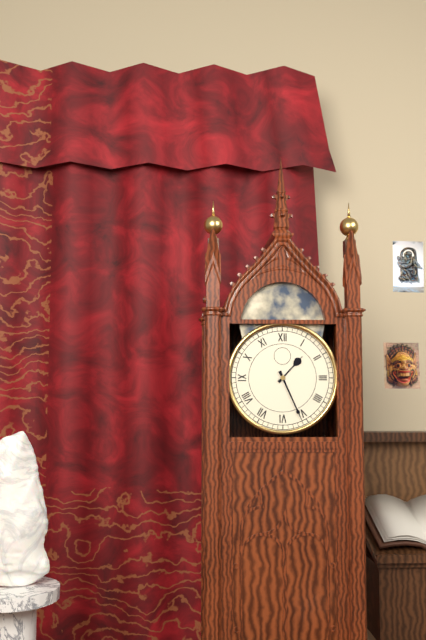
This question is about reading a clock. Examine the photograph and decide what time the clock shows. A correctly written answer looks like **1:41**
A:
**1:26**
